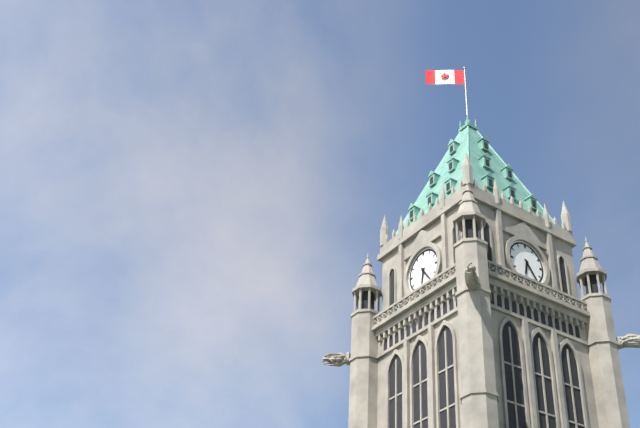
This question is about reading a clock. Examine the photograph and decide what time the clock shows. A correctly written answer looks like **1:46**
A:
**6:24**
